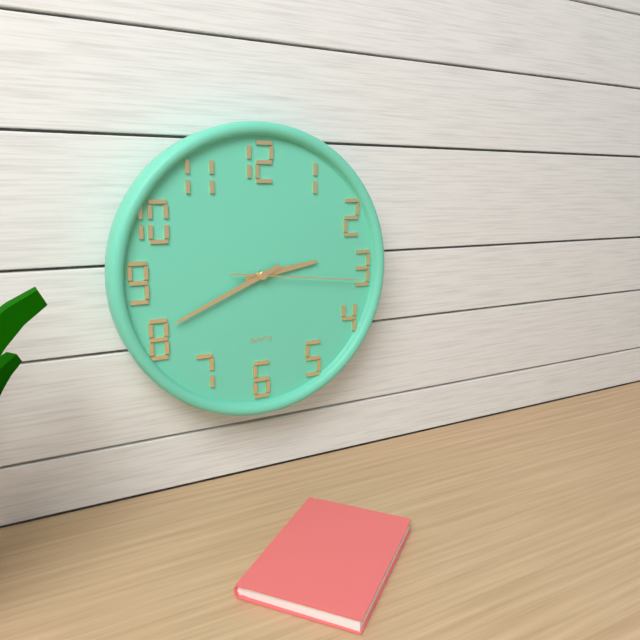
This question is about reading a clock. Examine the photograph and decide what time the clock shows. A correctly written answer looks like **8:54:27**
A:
**2:41:16**
